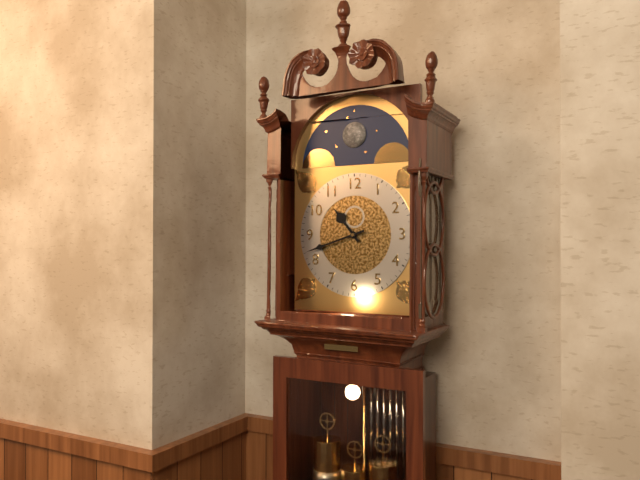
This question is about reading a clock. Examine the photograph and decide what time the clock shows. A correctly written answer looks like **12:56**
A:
**10:42**
